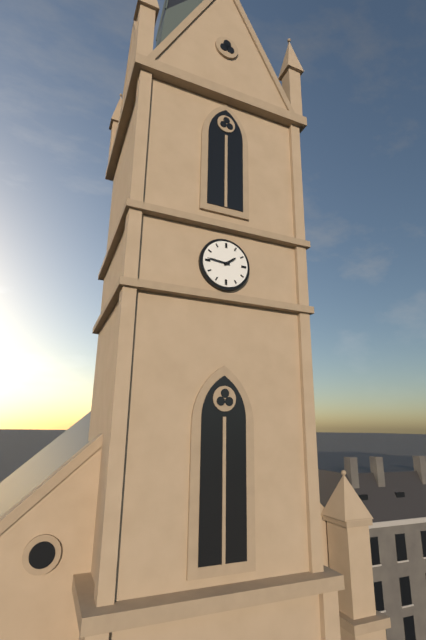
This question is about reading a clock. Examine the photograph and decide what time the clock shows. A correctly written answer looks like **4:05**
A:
**1:46**
